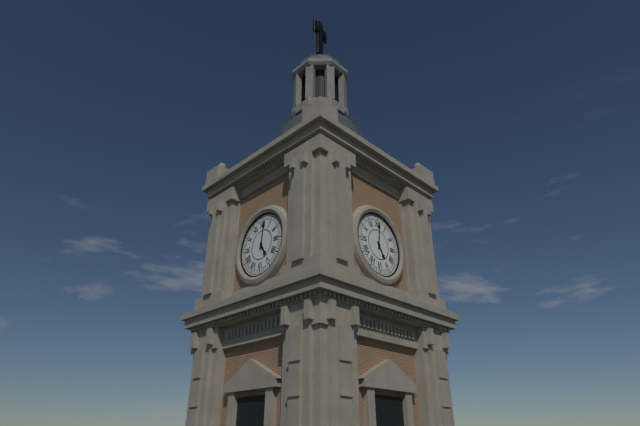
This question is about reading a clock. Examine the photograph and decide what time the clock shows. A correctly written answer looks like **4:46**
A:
**5:01**
